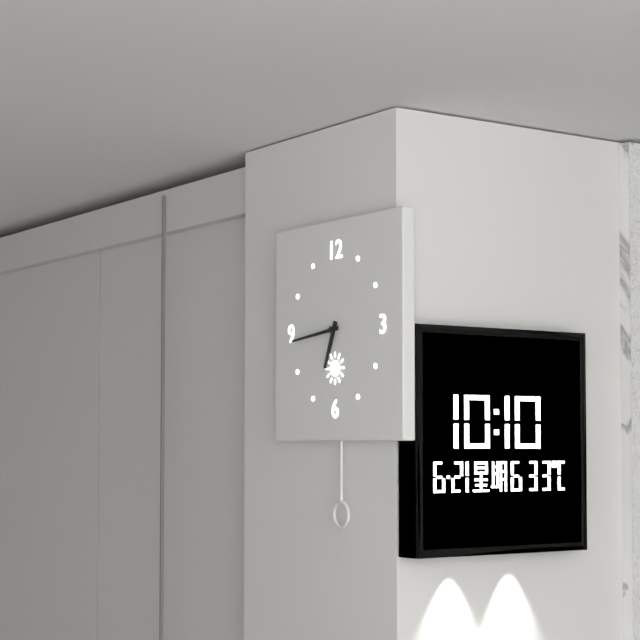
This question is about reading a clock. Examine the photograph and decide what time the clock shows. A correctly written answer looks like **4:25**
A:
**6:44**
